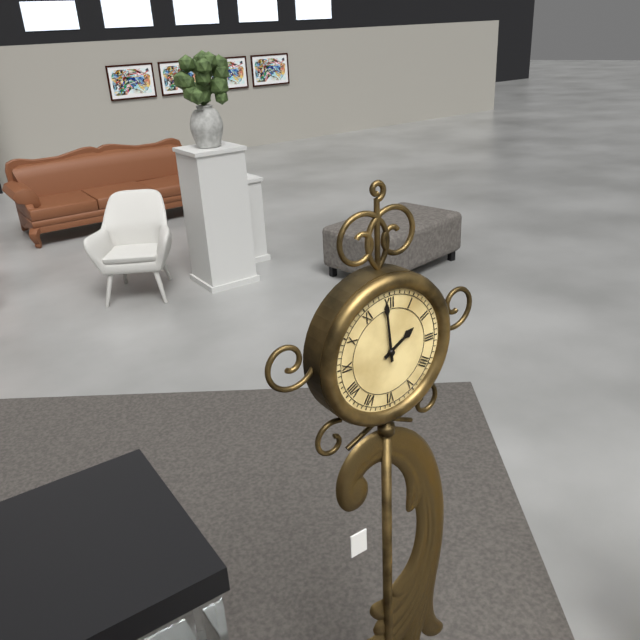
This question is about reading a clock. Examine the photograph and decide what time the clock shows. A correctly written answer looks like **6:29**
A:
**1:59**
